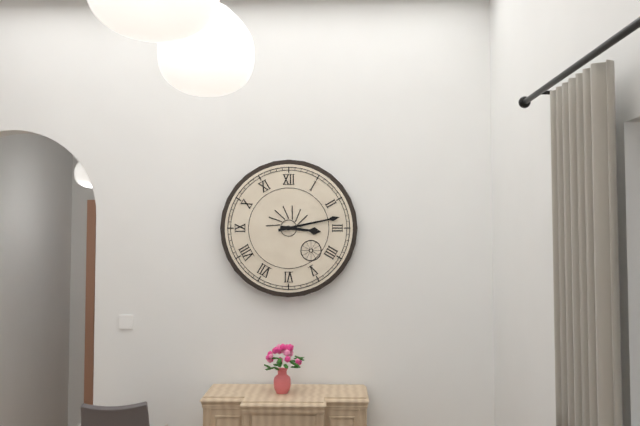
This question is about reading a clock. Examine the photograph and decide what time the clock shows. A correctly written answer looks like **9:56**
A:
**3:13**
